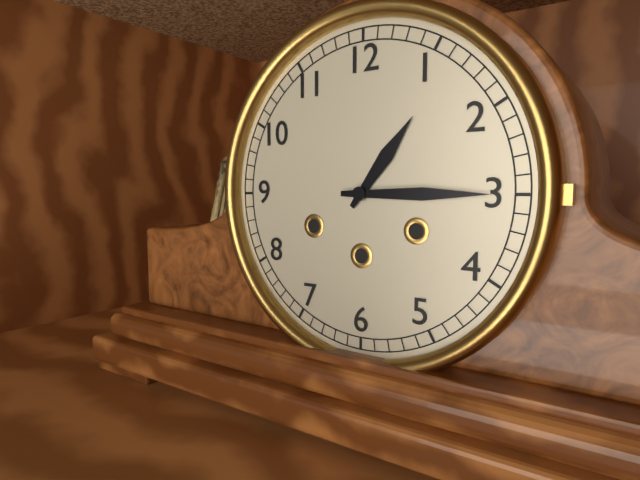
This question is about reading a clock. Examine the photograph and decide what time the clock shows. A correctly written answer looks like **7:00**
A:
**1:15**
